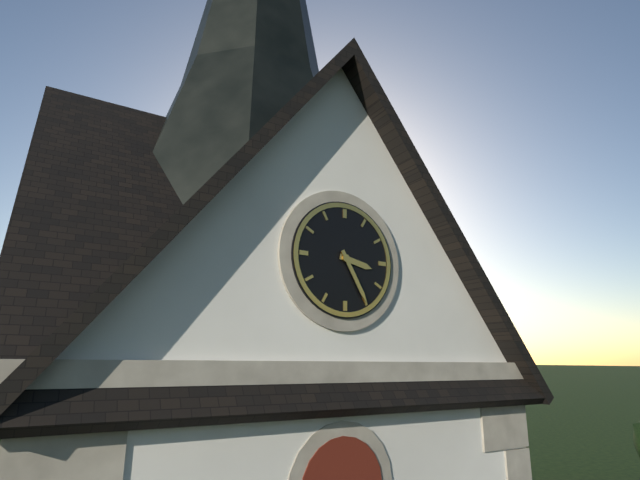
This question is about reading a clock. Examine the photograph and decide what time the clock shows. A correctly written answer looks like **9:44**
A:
**3:25**
